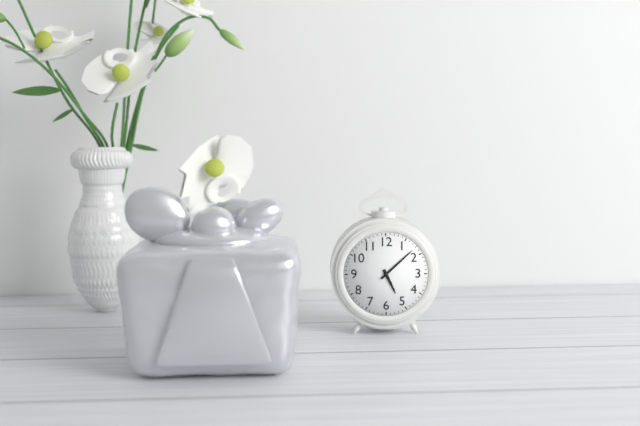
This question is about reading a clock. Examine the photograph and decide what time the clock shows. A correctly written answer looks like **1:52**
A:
**5:08**
